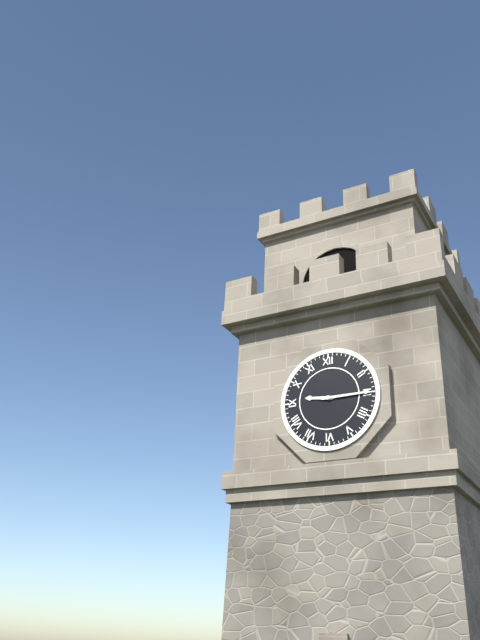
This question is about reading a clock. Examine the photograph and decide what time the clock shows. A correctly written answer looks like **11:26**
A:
**9:15**
